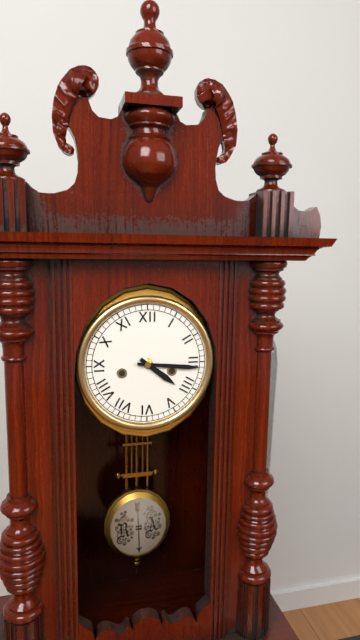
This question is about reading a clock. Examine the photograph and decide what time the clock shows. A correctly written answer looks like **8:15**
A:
**4:16**
